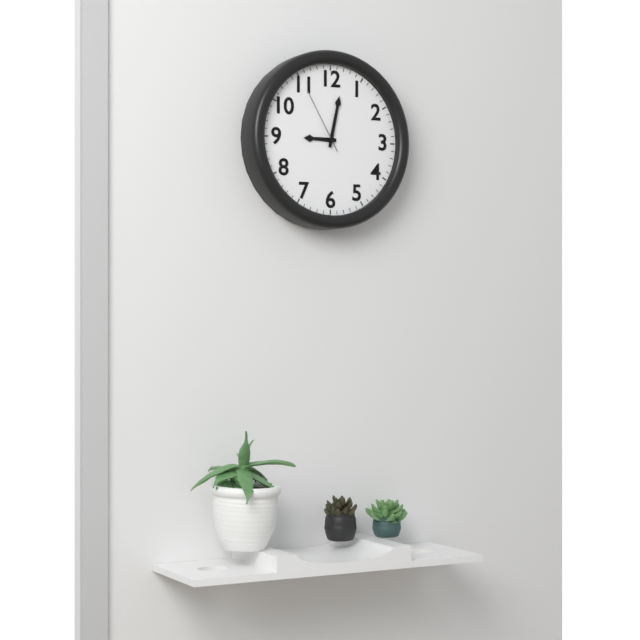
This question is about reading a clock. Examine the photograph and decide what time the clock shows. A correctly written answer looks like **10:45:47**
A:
**9:02:55**
